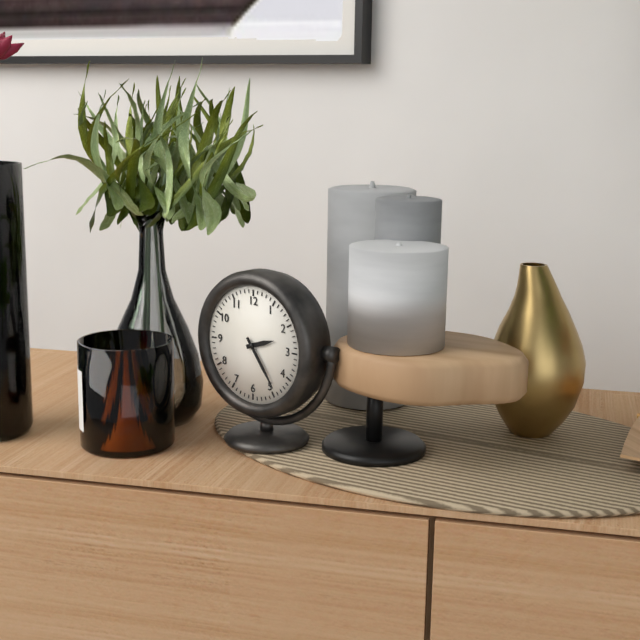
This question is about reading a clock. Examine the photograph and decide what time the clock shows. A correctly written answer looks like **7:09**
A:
**2:24**
